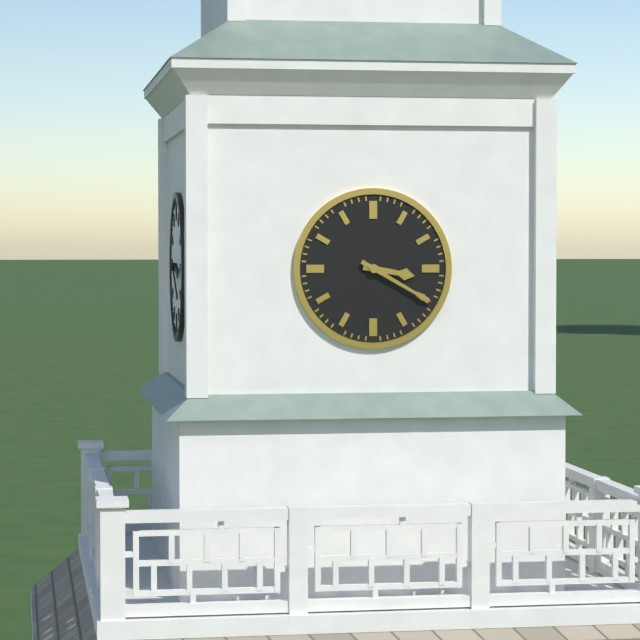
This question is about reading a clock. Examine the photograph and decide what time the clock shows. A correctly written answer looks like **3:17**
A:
**3:20**
